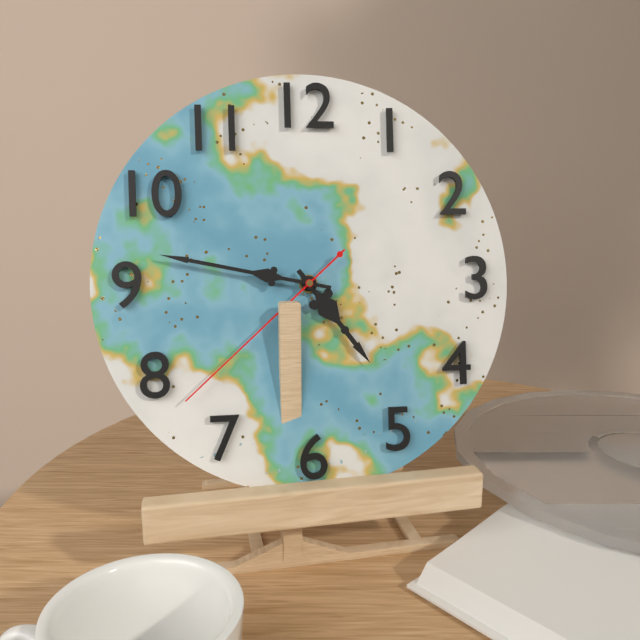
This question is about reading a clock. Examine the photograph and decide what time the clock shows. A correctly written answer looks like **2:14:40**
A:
**4:47:38**
